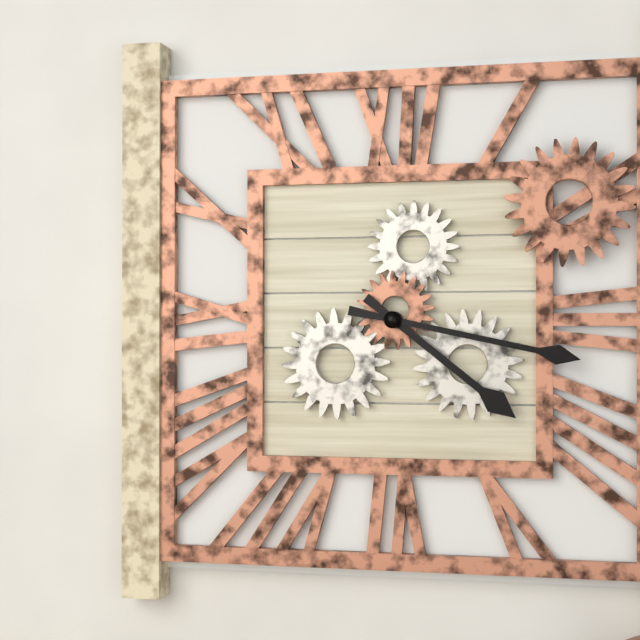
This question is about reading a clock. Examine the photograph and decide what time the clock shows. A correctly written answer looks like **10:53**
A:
**4:17**
